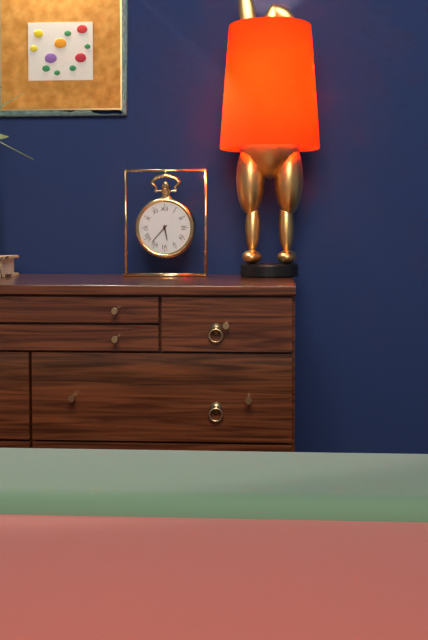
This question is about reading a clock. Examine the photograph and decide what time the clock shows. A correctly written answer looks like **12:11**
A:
**5:37**
